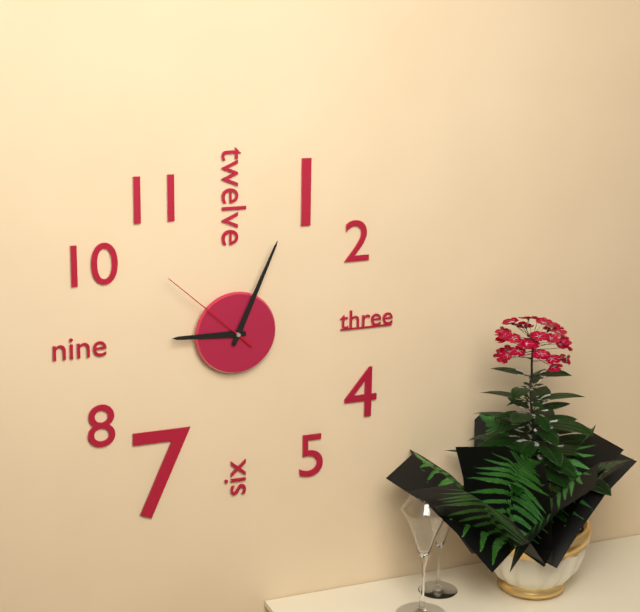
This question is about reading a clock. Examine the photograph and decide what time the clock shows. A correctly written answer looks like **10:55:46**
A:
**9:04:52**
